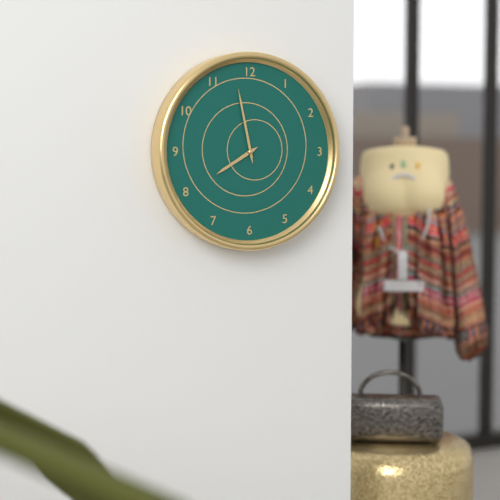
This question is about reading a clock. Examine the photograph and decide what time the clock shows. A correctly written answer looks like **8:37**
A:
**7:58**
